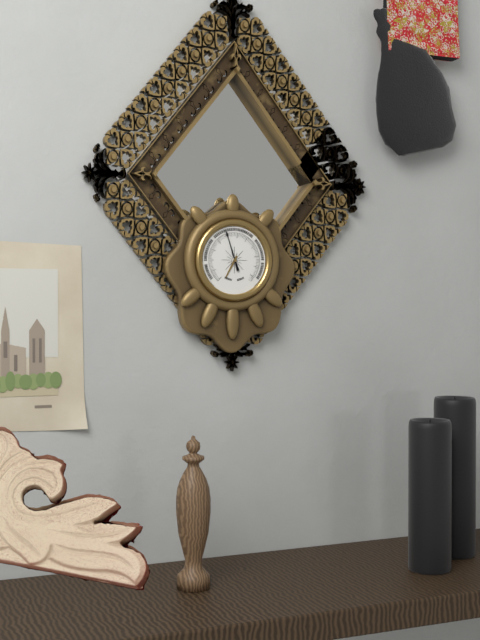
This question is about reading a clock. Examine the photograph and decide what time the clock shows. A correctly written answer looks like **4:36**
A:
**6:57**
